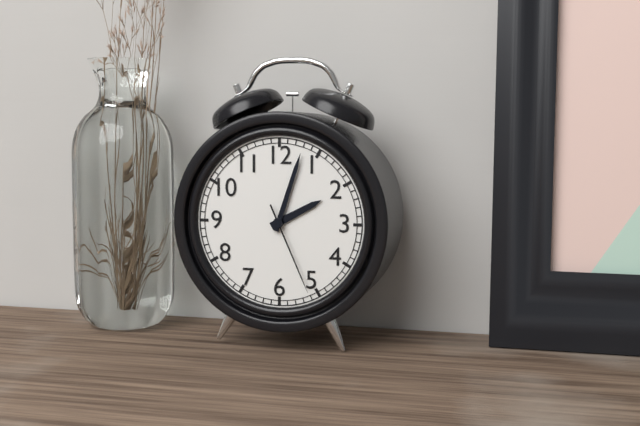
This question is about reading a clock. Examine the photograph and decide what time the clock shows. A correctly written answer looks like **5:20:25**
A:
**2:03:26**
